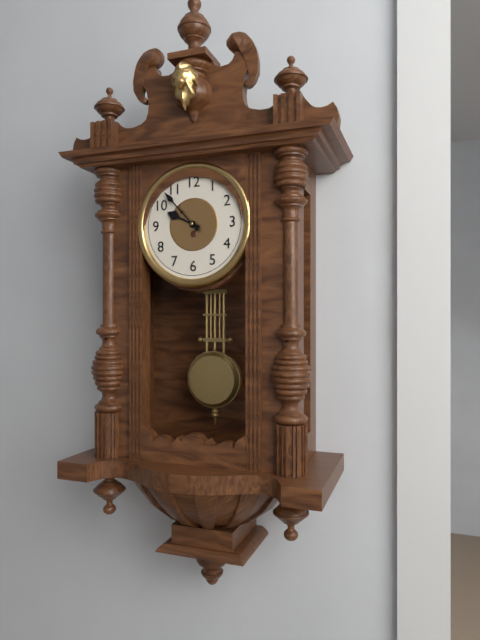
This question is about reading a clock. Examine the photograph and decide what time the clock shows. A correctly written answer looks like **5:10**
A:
**9:53**
